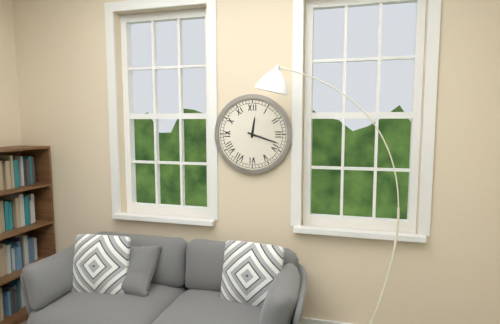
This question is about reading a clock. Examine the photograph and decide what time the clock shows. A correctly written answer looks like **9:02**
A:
**12:18**
